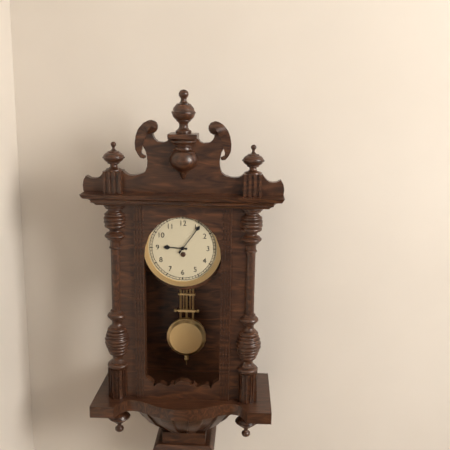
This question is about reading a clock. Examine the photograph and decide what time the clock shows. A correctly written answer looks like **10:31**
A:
**9:06**
